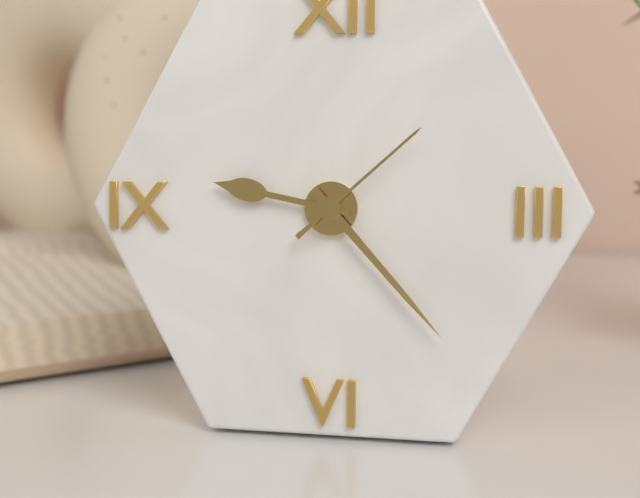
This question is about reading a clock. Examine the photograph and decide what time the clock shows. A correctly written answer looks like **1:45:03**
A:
**9:23:08**
